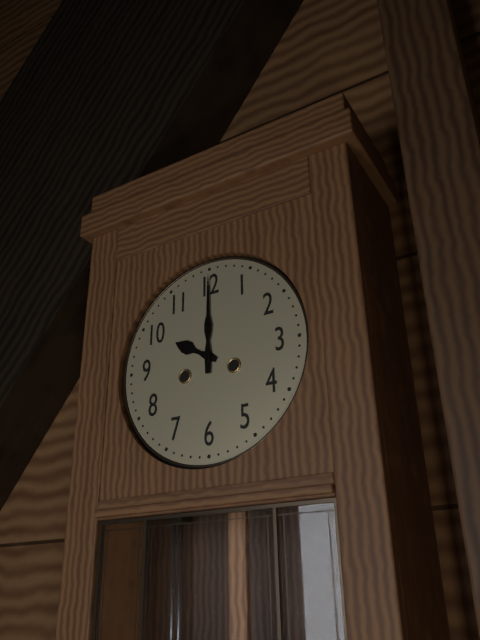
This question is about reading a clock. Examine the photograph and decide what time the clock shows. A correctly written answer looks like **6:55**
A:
**10:00**
